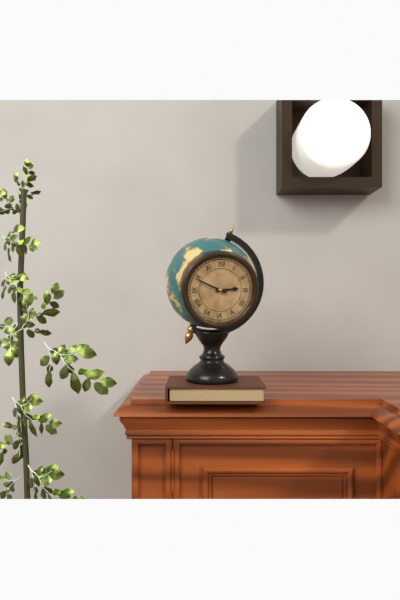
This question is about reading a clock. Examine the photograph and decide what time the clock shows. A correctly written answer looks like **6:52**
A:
**2:49**
